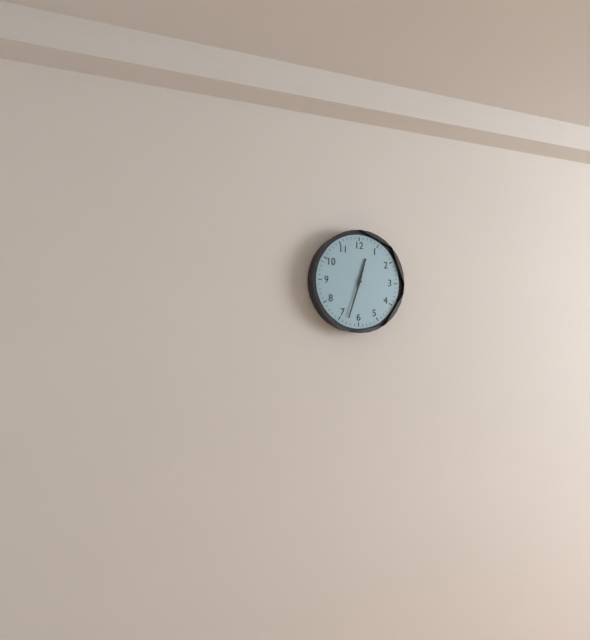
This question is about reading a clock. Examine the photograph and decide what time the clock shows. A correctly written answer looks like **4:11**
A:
**12:33**
